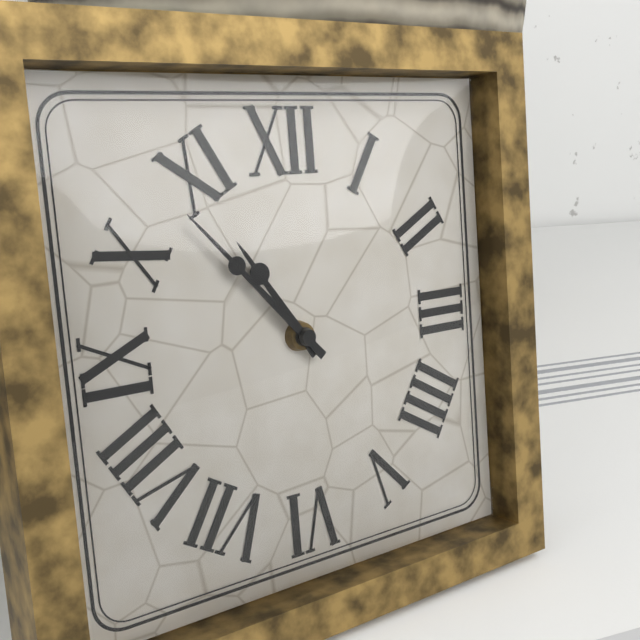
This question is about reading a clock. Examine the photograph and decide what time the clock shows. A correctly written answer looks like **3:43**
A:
**10:53**
